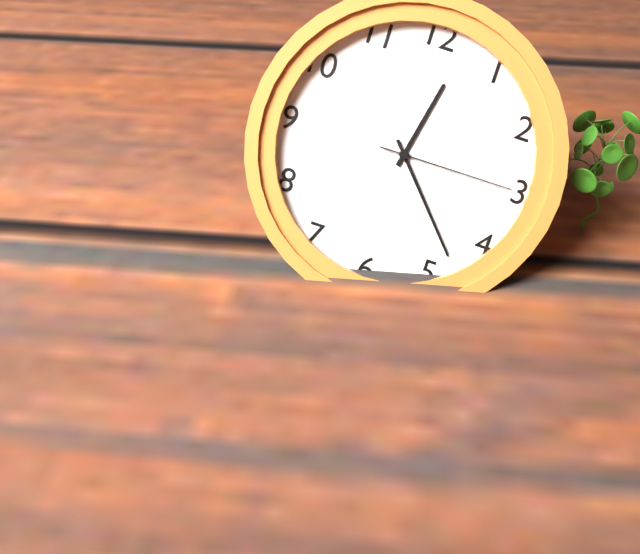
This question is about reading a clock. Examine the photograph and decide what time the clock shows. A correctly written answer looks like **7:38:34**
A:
**12:23:15**
